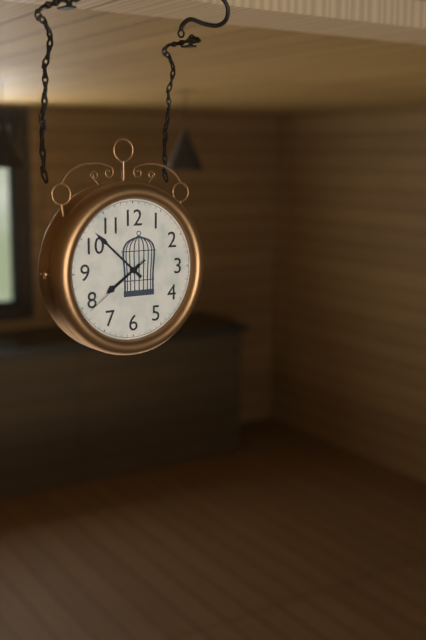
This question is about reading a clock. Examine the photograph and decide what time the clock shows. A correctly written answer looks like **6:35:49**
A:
**7:52:39**
